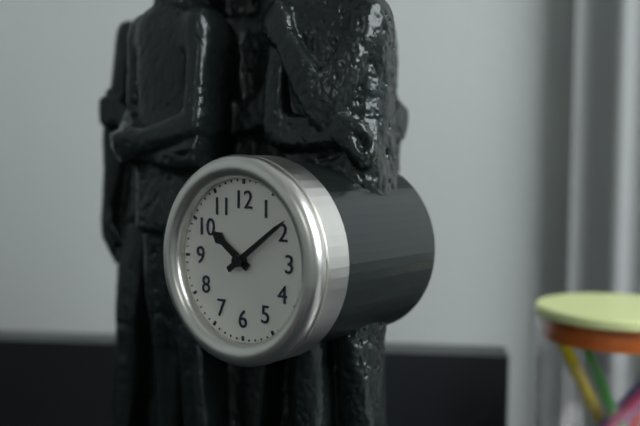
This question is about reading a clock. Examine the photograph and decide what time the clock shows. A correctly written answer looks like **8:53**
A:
**10:09**
